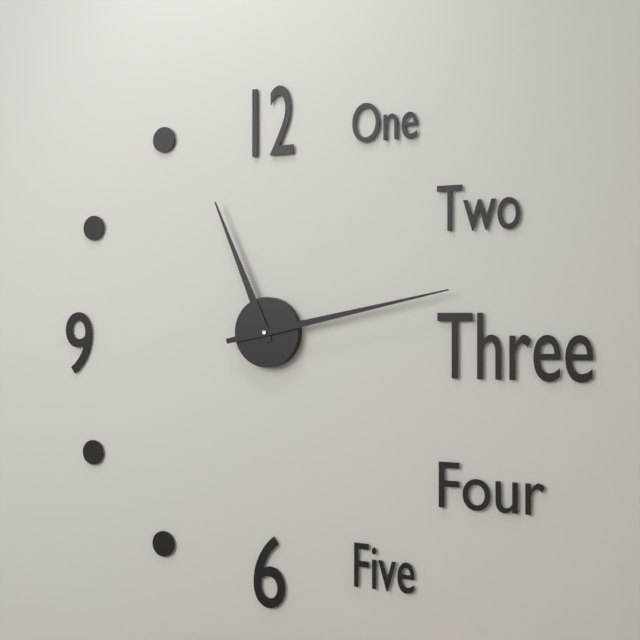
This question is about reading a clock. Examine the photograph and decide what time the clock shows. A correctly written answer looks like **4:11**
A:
**11:13**
